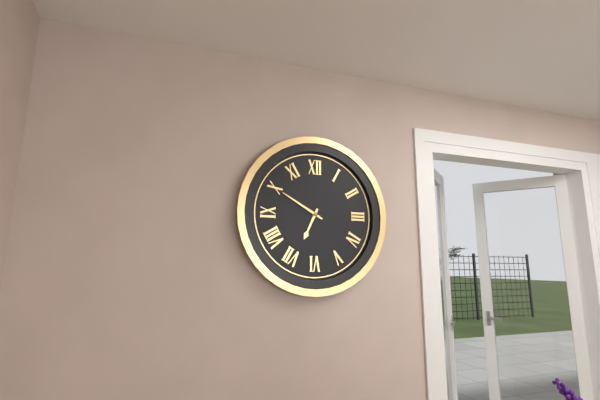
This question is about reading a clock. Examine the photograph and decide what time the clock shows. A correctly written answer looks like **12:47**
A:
**6:50**
